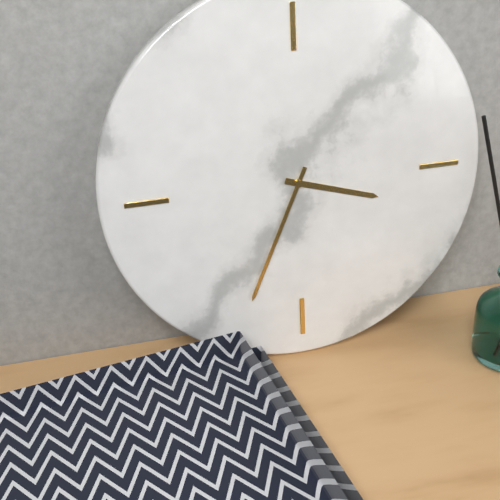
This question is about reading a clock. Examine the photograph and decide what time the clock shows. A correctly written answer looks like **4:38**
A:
**3:34**
